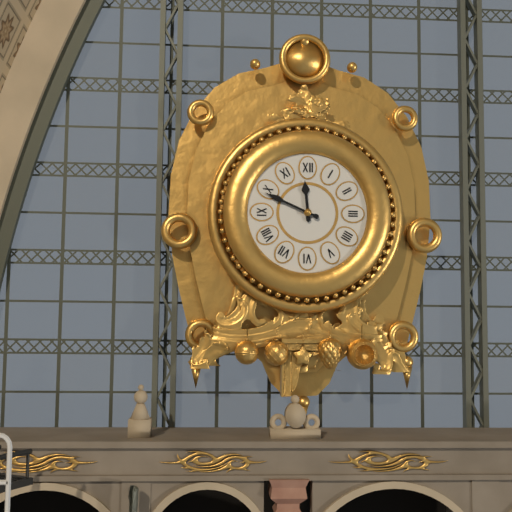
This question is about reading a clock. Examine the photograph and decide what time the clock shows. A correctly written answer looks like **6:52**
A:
**11:49**
